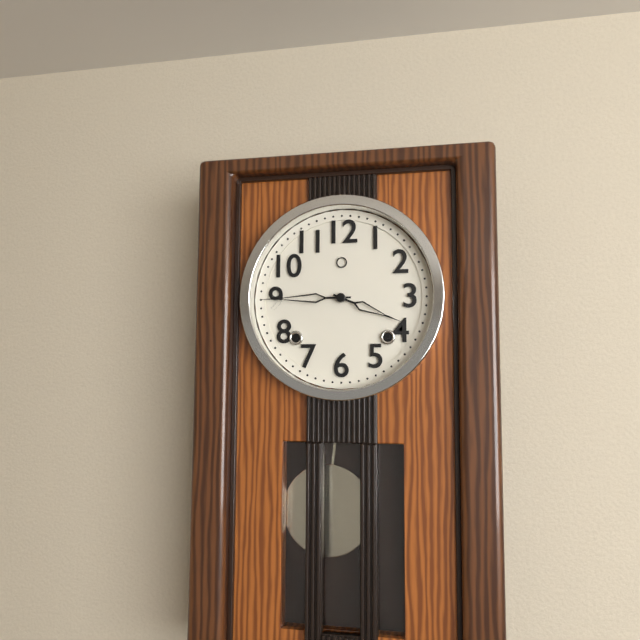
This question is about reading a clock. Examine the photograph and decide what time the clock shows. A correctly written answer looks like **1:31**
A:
**3:45**
